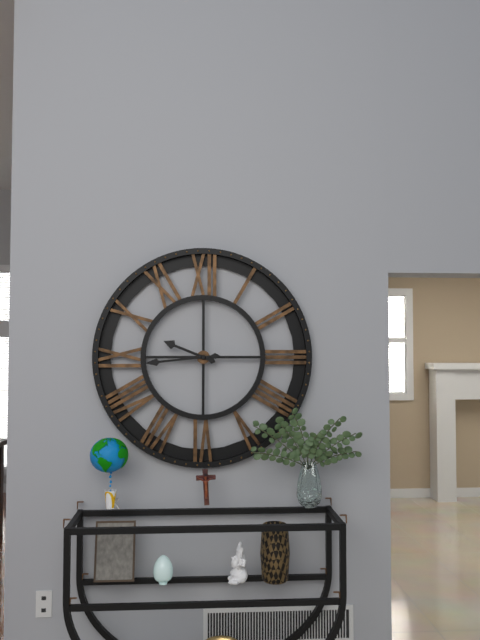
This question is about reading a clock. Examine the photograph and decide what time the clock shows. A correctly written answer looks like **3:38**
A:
**9:44**
